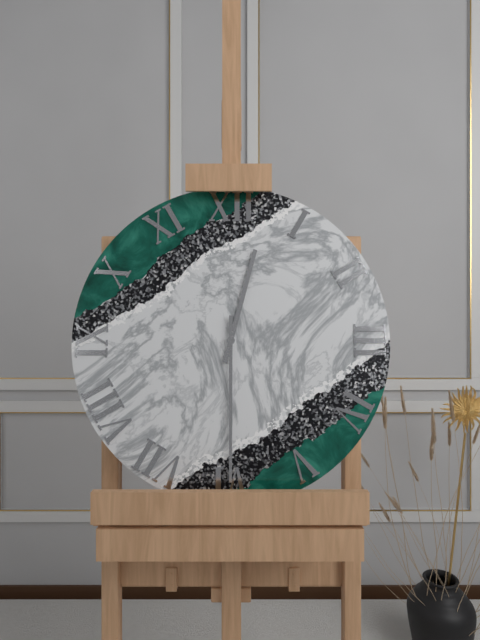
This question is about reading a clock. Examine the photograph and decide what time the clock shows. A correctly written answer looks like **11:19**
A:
**12:30**
